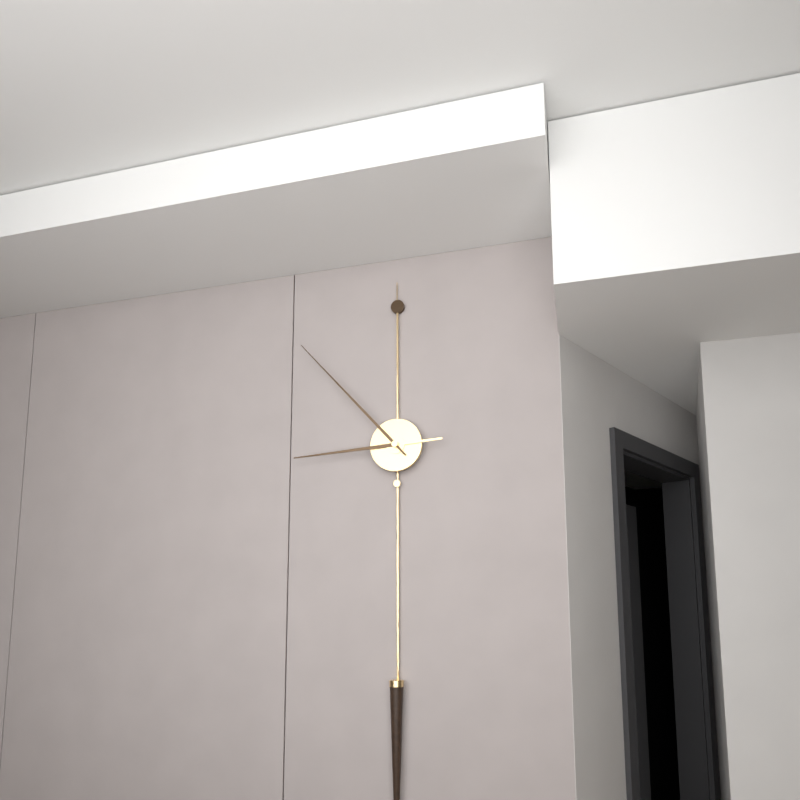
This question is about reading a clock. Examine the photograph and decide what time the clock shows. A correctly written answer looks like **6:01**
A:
**8:53**
